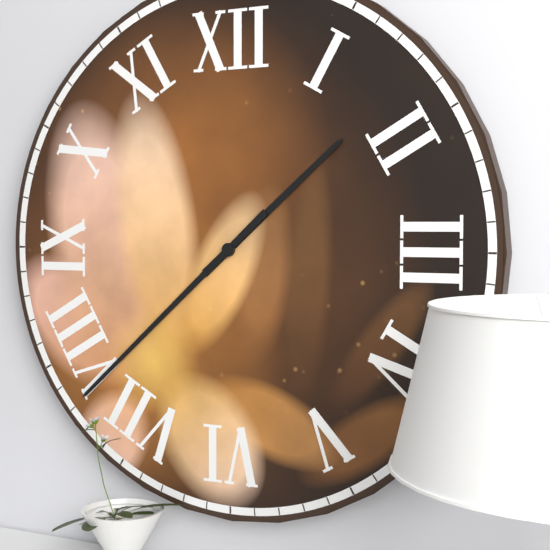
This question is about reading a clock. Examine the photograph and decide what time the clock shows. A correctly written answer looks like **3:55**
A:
**1:38**
